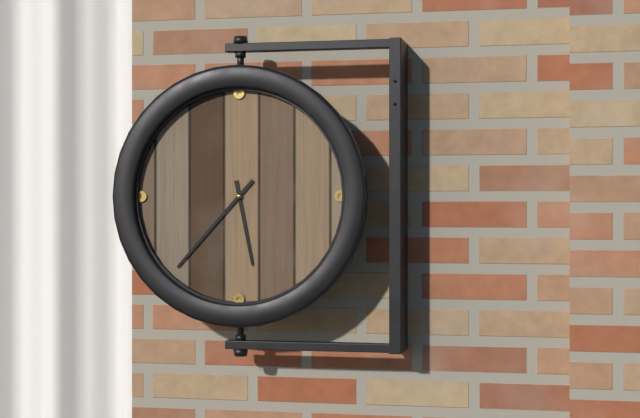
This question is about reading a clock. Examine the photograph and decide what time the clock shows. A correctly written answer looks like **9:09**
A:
**5:37**
